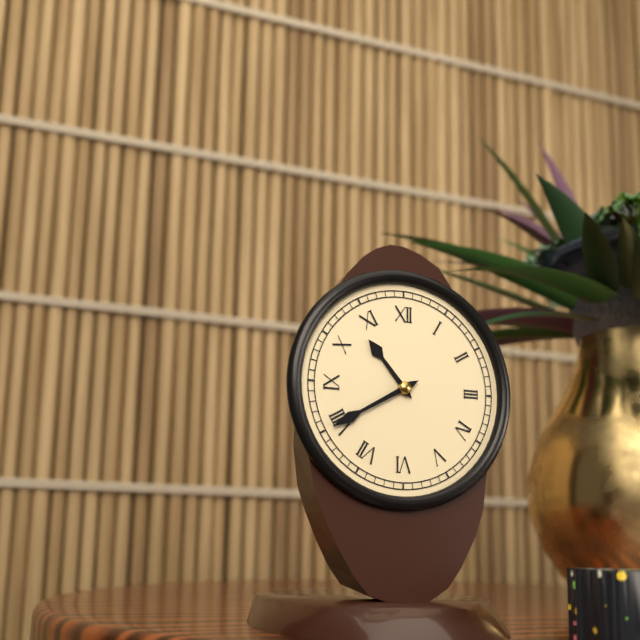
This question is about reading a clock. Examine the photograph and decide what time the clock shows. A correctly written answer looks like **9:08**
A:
**10:40**
